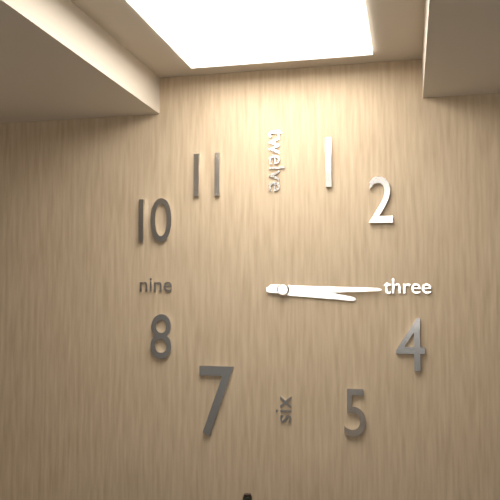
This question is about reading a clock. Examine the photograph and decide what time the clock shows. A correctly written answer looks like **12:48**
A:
**3:15**
